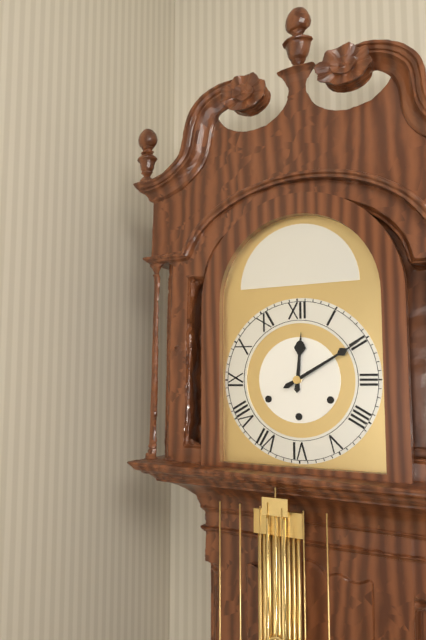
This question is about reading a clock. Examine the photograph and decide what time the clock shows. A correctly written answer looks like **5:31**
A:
**12:10**
